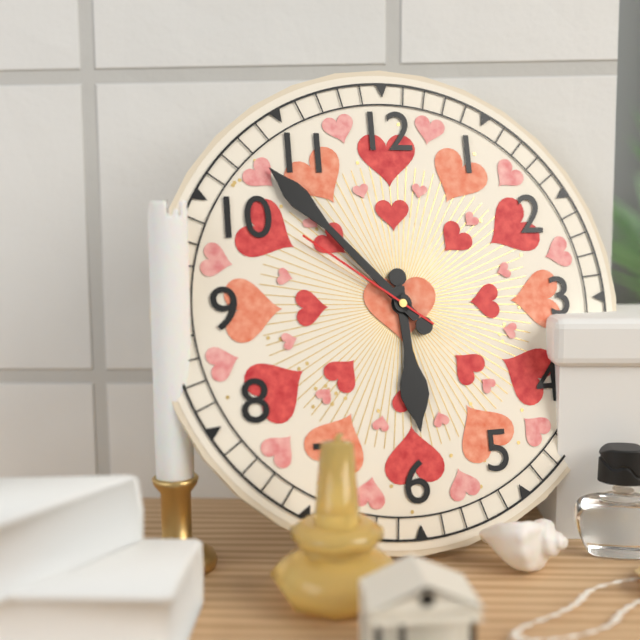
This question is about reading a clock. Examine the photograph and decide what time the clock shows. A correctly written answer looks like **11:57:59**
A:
**5:53:51**
